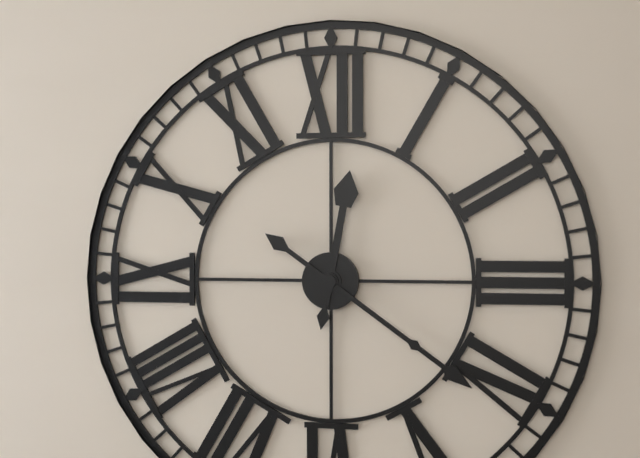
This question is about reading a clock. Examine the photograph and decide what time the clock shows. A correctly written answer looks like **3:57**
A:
**12:21**
